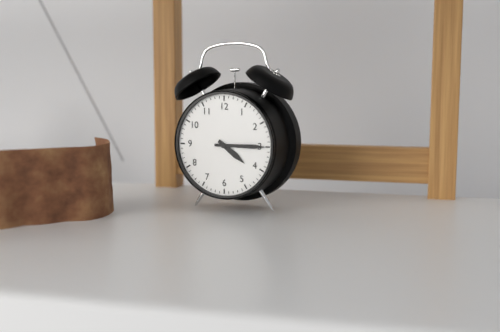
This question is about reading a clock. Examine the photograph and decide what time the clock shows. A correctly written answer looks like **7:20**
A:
**4:15**
